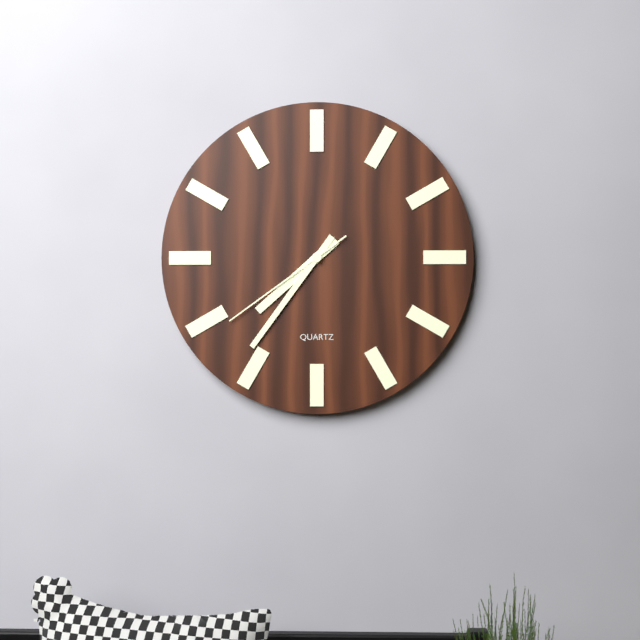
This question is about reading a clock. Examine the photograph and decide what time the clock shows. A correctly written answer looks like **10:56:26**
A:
**7:36:39**
